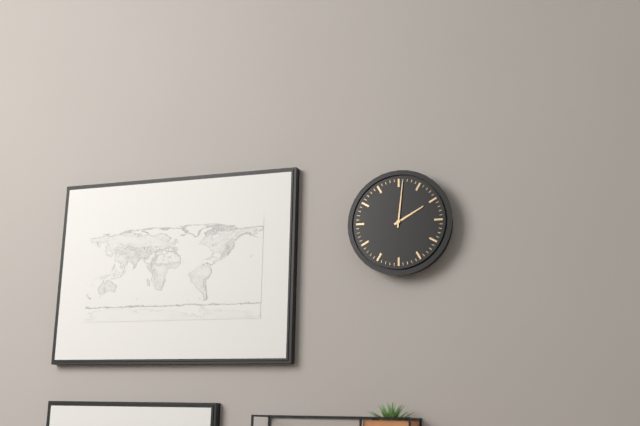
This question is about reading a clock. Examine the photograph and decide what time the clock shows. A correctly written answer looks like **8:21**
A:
**2:01**
